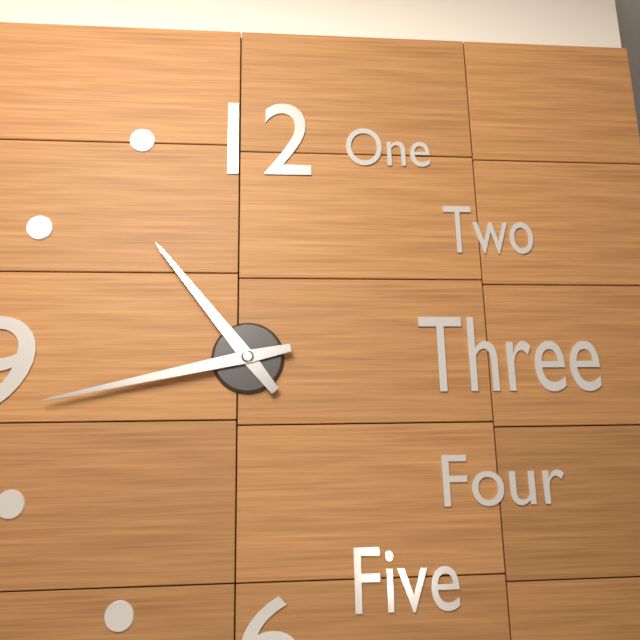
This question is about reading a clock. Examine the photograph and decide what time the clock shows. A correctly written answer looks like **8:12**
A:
**10:43**
